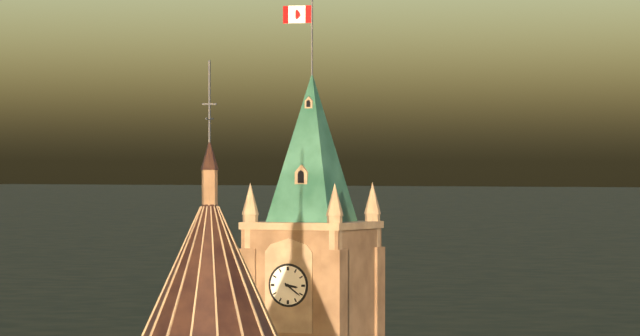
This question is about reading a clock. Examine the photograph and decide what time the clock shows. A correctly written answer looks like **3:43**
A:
**3:21**
